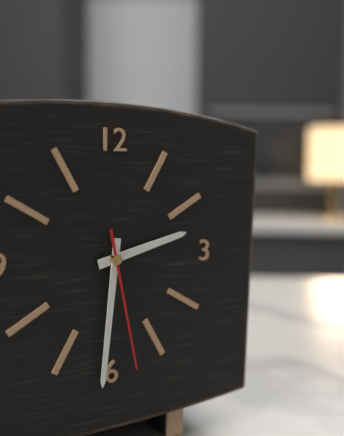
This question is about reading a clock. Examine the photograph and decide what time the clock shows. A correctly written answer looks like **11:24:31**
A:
**2:31:28**
